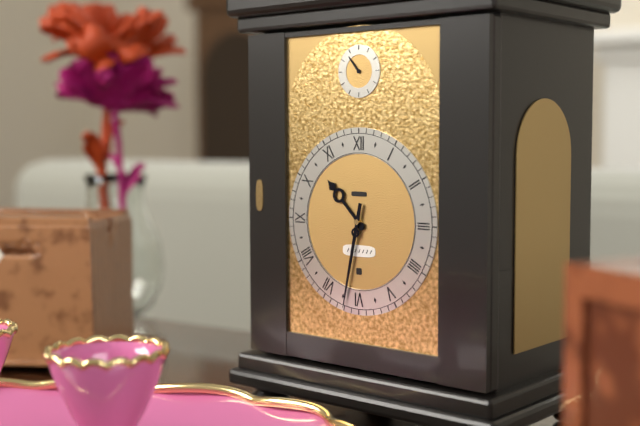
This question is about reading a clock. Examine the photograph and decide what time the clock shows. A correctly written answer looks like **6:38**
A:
**10:32**
